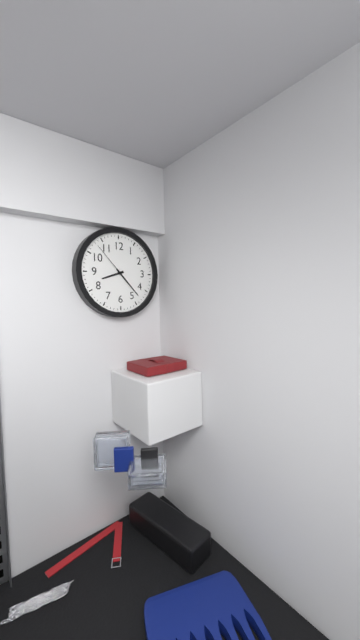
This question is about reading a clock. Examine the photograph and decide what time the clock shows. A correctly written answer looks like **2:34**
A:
**8:23**
